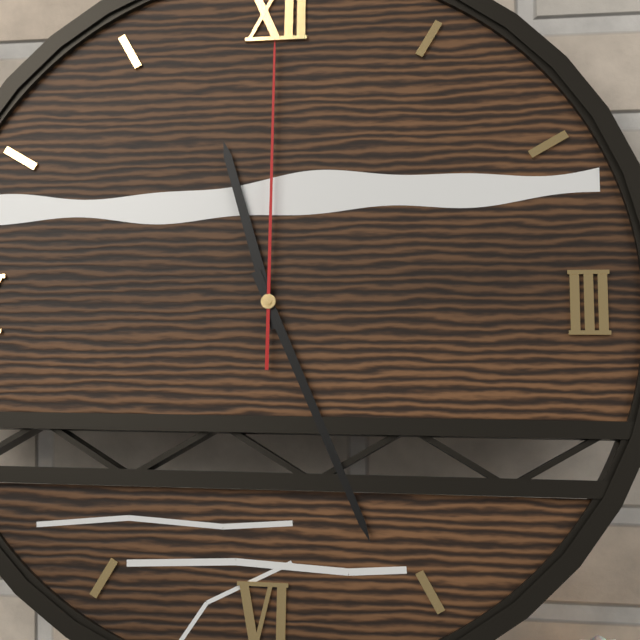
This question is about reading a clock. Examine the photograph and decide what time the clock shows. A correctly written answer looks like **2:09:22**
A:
**11:26:00**
